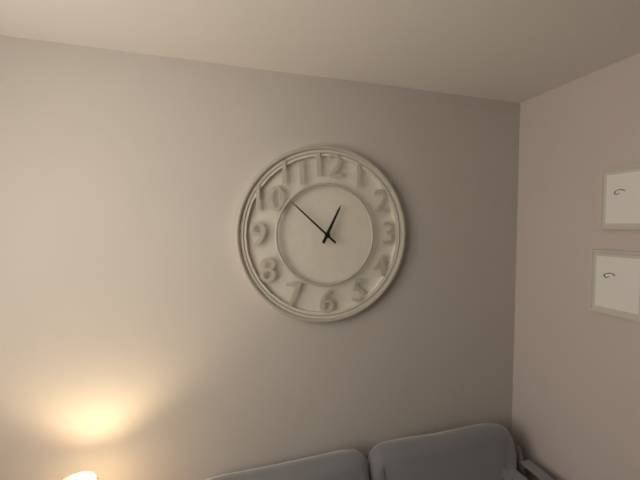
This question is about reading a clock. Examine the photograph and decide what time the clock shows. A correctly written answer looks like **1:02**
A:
**12:52**
